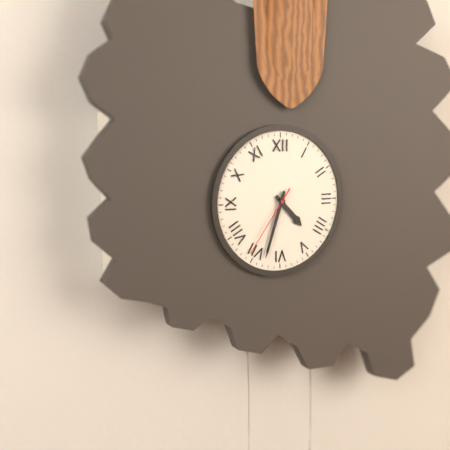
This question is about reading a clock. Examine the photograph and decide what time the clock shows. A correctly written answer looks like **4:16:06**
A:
**4:33:36**
